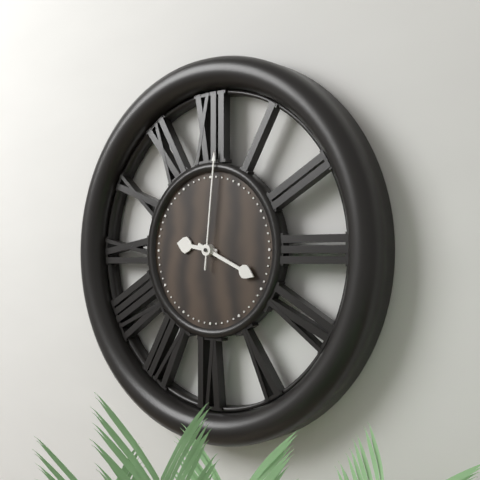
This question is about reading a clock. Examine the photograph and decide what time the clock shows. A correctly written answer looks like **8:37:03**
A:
**9:19:01**
